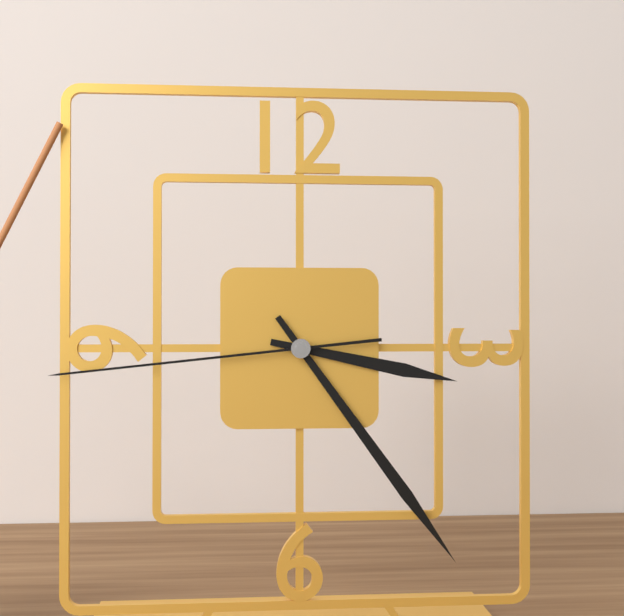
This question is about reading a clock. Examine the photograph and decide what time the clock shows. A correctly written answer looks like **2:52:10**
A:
**3:24:44**
